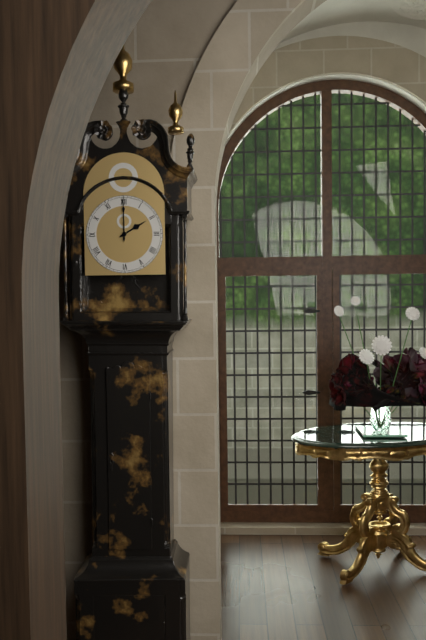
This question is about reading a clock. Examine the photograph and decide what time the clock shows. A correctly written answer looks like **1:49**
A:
**2:00**
